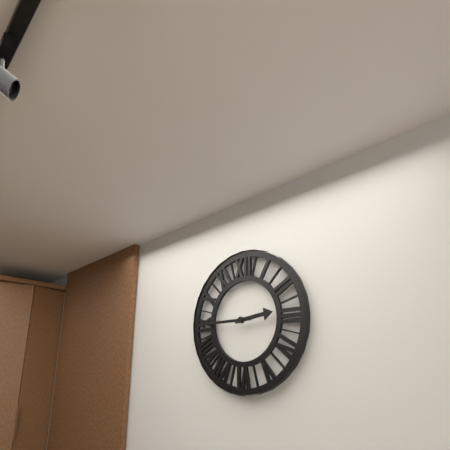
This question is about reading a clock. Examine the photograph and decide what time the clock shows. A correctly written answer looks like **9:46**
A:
**2:45**
